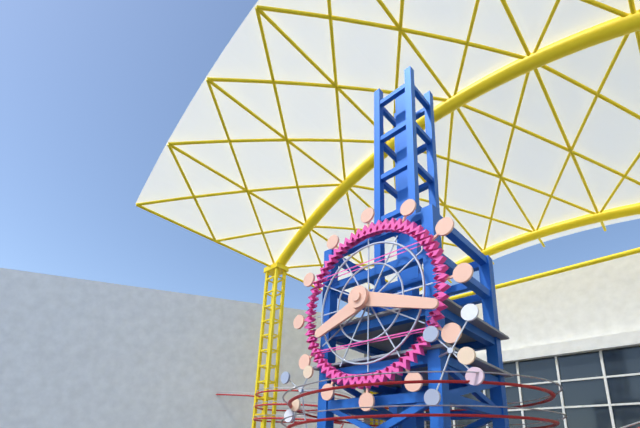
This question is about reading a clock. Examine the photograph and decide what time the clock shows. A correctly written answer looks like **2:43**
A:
**8:18**
